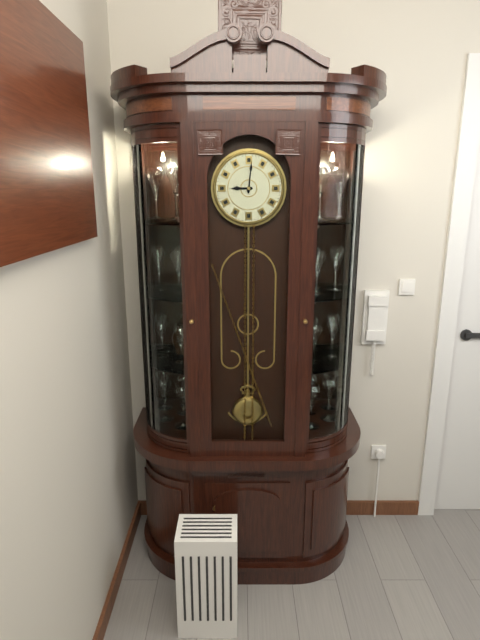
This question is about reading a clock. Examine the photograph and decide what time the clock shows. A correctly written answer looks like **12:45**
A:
**9:01**
